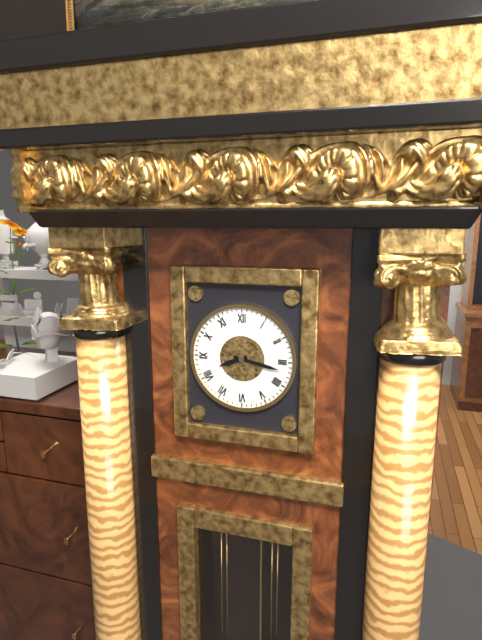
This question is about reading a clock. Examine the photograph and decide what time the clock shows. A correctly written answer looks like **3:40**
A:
**8:17**
